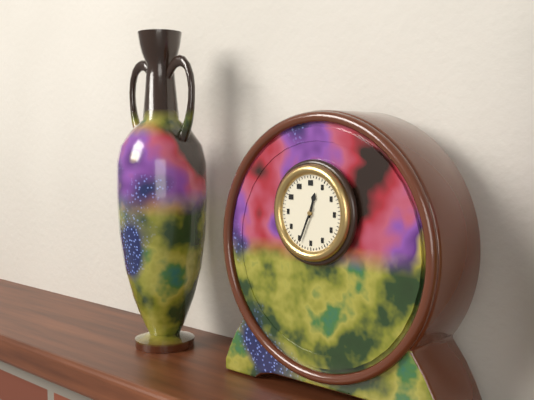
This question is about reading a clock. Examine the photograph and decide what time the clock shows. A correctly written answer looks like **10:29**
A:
**12:34**
